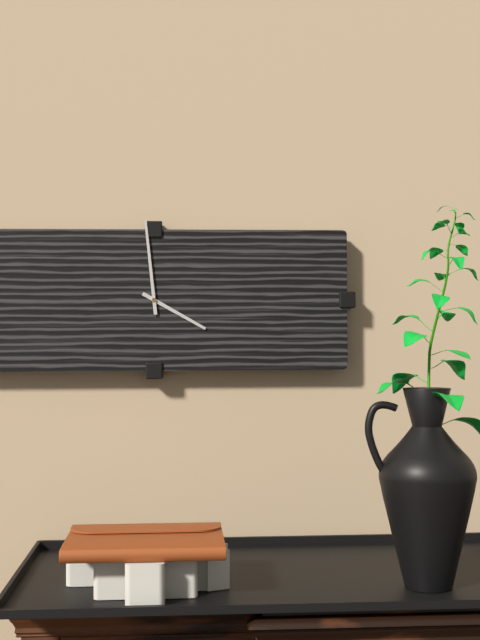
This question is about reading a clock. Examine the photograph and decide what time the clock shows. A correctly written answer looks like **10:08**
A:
**3:59**
